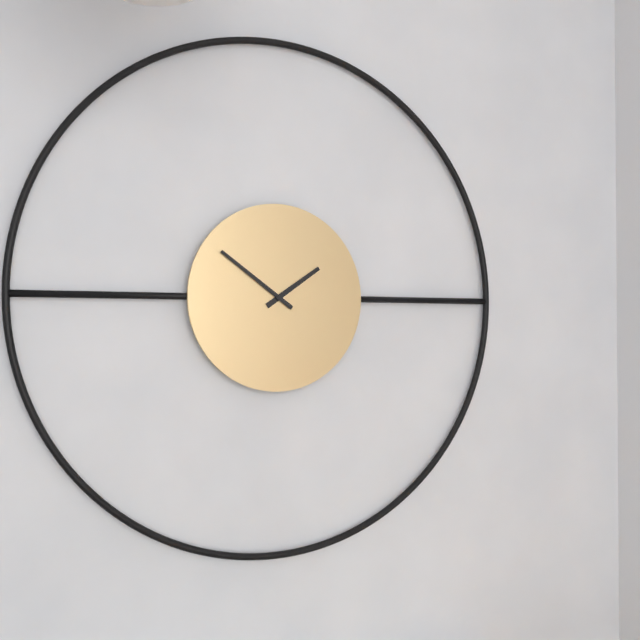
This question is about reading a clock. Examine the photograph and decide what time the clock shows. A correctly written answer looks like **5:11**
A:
**1:51**
